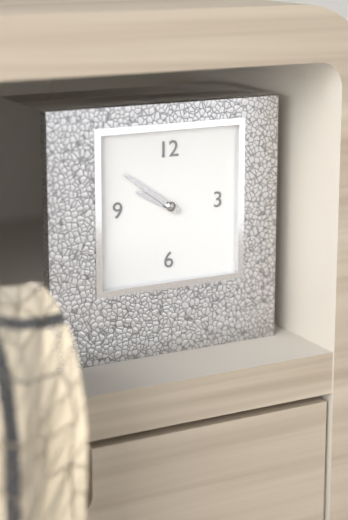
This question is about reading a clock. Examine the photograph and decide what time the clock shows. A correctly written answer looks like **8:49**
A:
**9:51**
